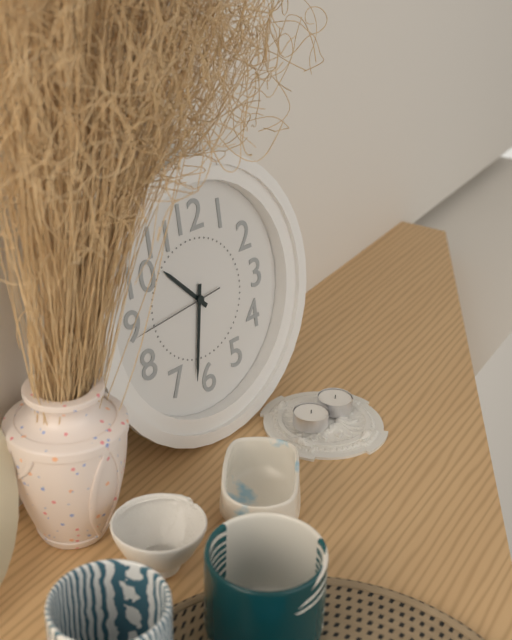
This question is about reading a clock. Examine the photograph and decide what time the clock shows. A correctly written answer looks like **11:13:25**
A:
**10:32:44**
